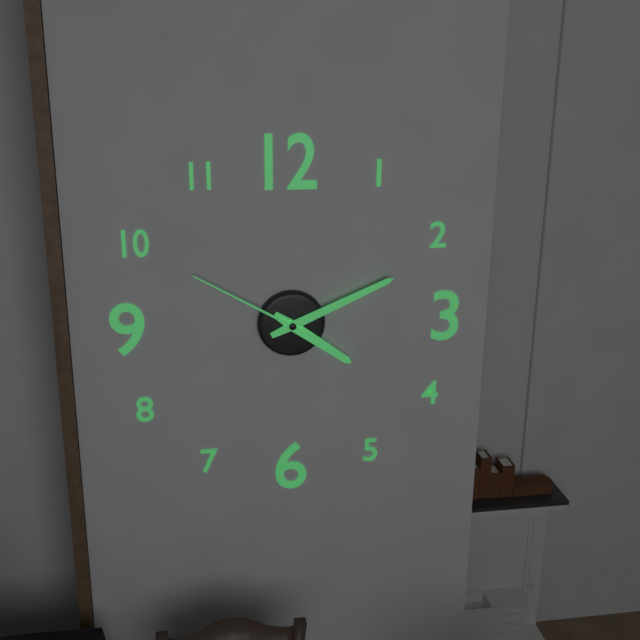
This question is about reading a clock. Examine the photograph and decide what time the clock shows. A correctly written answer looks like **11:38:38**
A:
**4:11:50**
